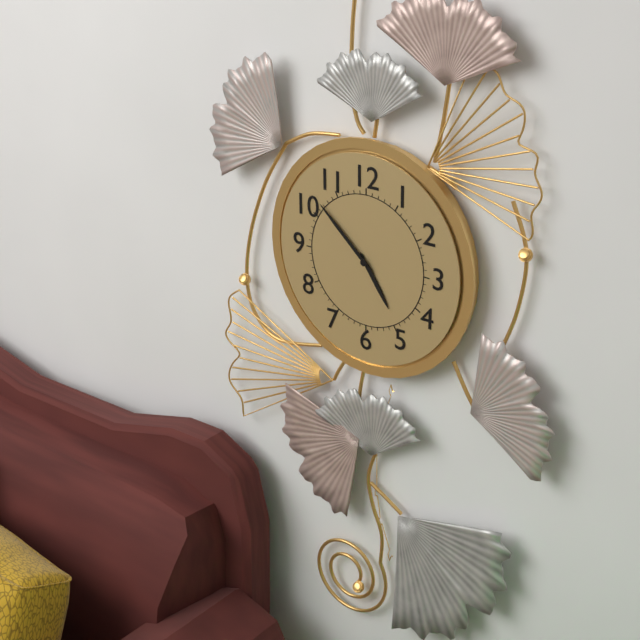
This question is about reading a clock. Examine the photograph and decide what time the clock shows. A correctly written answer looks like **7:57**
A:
**4:52**
